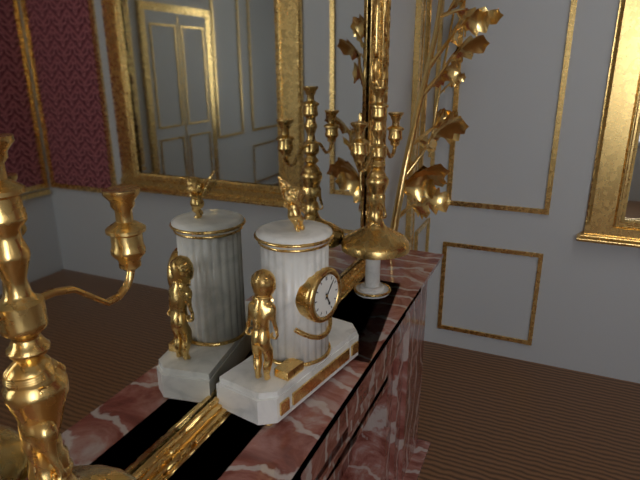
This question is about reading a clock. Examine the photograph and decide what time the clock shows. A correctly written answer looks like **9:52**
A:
**5:07**
